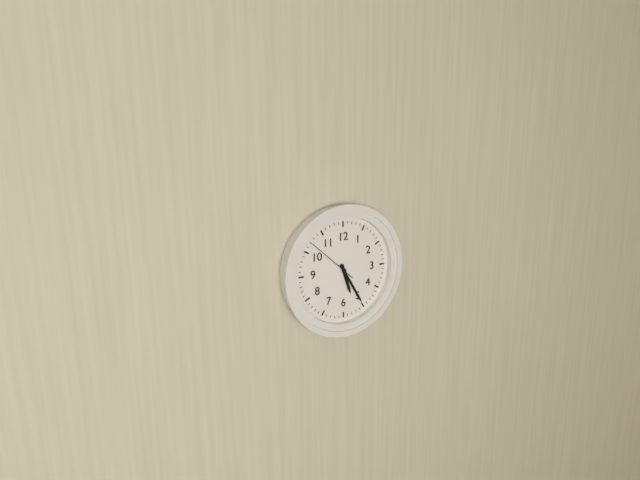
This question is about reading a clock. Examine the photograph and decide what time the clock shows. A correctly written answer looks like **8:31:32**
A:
**5:25:52**
